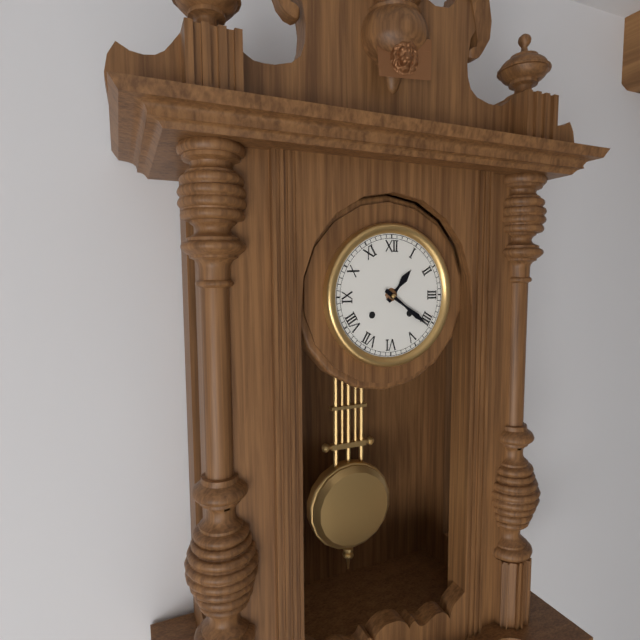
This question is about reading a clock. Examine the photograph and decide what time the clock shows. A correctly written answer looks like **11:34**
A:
**1:21**
